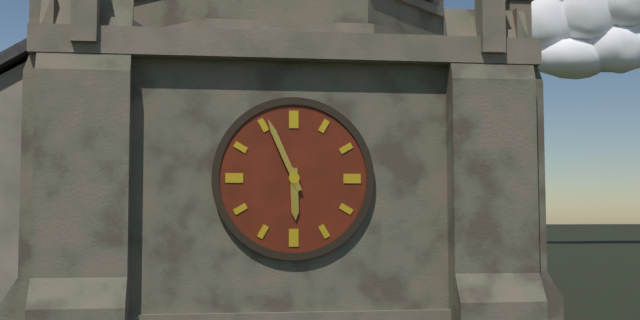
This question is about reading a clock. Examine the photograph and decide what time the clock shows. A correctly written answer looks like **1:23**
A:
**5:56**
